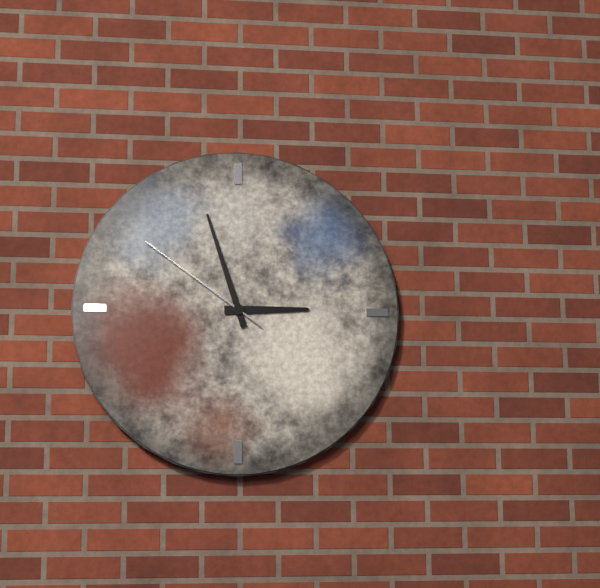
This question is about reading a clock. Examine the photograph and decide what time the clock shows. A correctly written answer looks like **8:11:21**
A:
**2:57:51**
